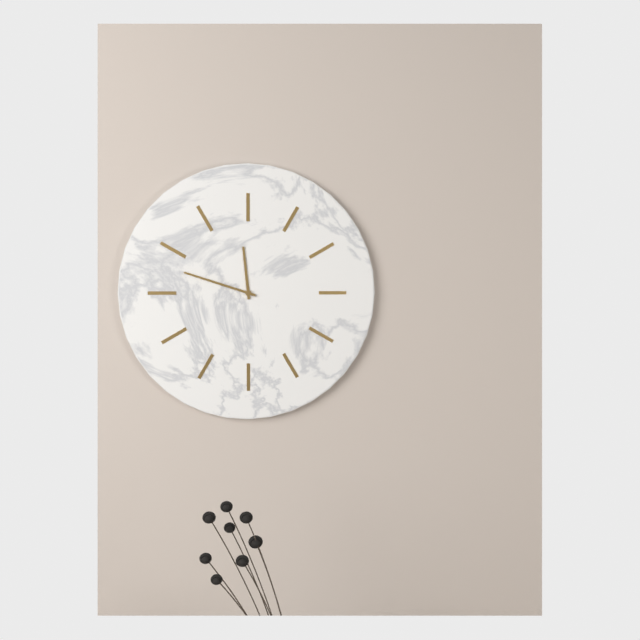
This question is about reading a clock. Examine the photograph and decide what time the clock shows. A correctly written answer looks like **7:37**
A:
**11:48**
